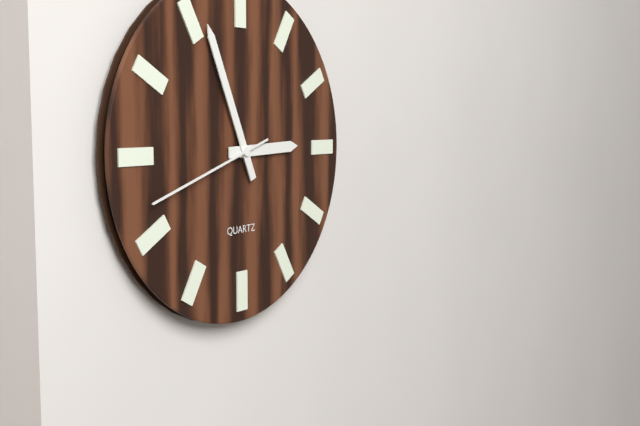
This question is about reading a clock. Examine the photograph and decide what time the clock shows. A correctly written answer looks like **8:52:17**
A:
**2:56:42**
